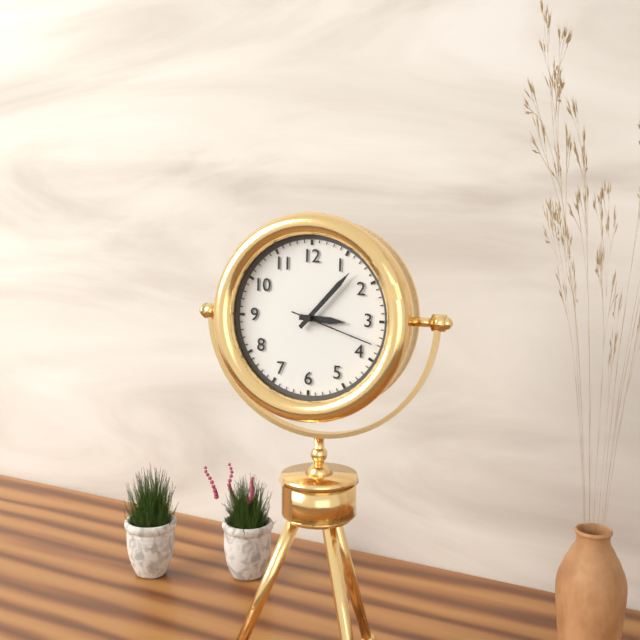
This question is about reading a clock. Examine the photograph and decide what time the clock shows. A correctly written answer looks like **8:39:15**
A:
**3:07:18**
